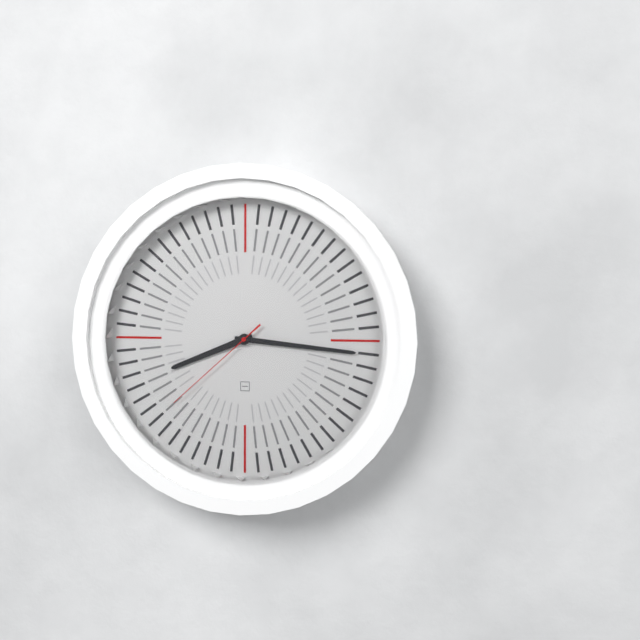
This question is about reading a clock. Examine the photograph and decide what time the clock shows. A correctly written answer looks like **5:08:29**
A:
**8:16:38**
